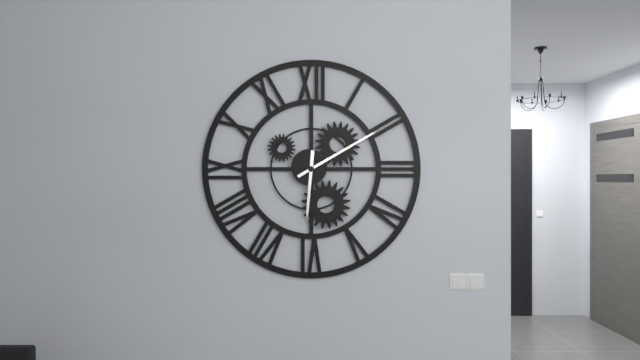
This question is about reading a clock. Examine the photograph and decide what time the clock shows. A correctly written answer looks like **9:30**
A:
**6:10**
